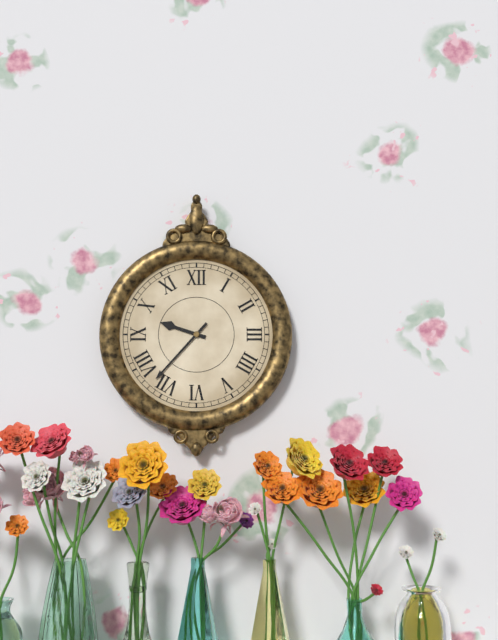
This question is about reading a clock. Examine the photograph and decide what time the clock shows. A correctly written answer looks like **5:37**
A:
**9:37**
